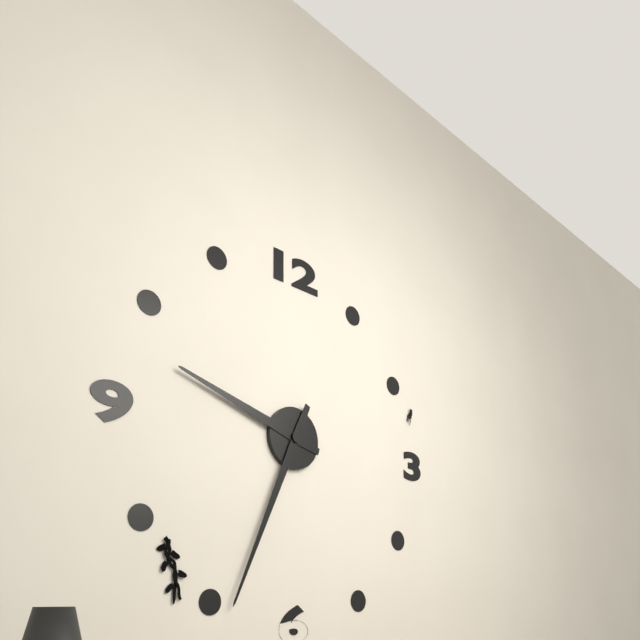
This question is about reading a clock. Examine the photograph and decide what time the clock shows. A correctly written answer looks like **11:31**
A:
**9:34**
